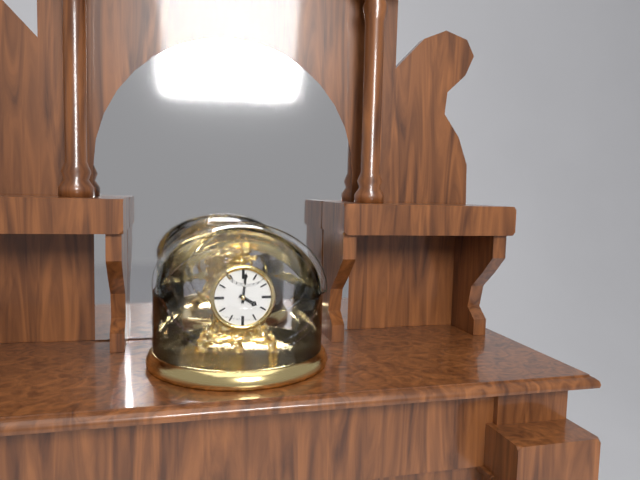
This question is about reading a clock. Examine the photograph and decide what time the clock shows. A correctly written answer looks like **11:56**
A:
**4:01**
